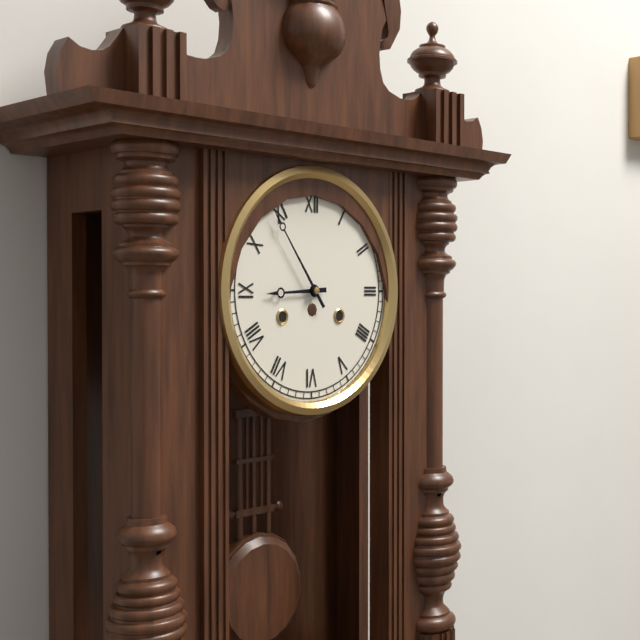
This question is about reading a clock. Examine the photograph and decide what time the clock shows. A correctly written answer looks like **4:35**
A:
**8:54**
